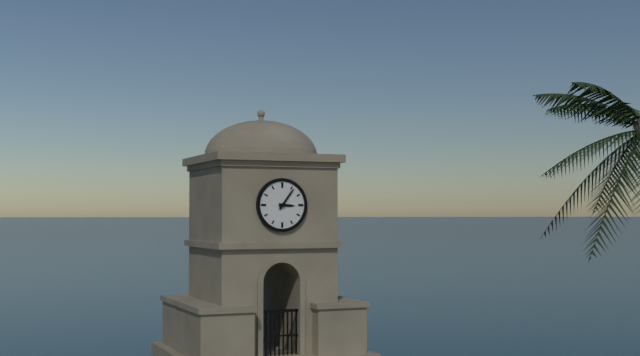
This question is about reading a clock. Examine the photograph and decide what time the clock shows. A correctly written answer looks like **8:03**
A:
**3:06**
